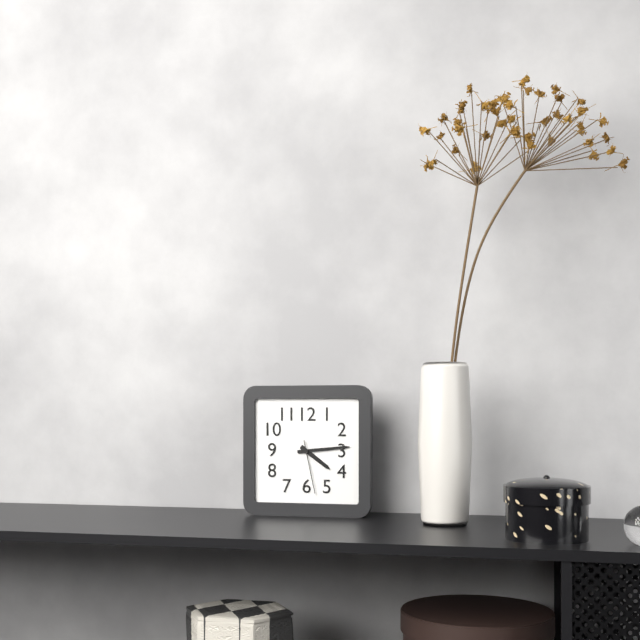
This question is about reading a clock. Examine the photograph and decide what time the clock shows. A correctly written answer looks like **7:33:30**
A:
**4:14:28**
